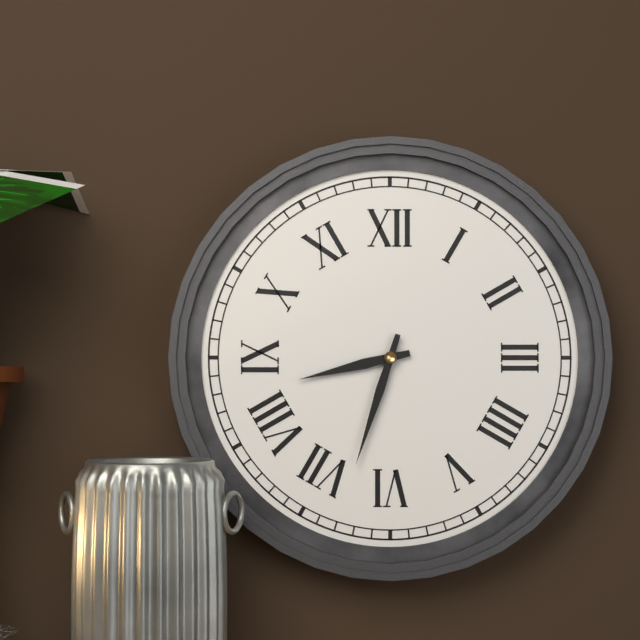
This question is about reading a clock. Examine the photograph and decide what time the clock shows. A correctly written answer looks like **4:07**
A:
**8:33**
